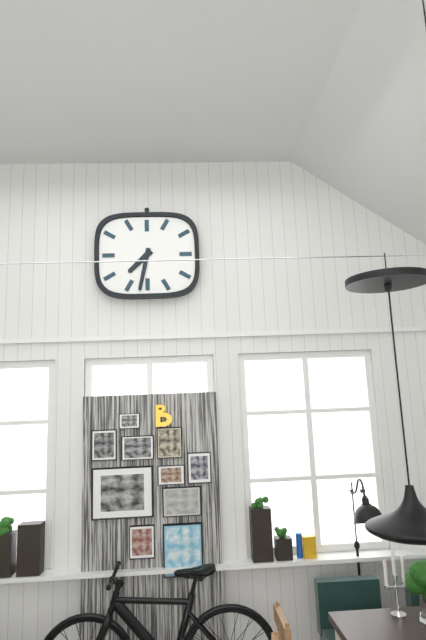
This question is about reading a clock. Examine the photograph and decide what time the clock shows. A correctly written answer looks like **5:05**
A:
**7:32**
